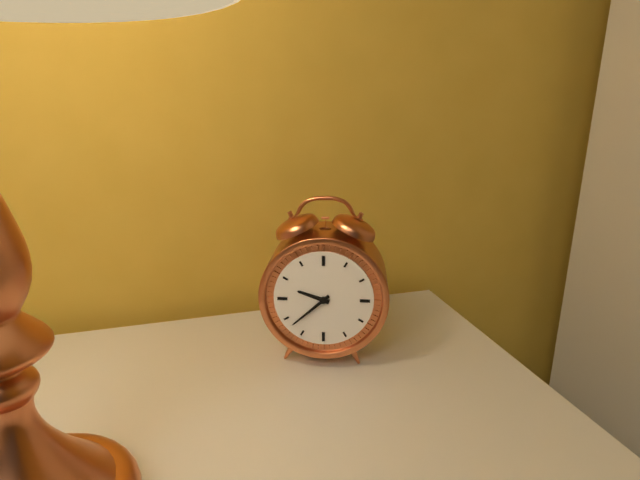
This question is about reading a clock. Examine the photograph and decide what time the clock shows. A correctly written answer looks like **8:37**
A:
**9:38**
